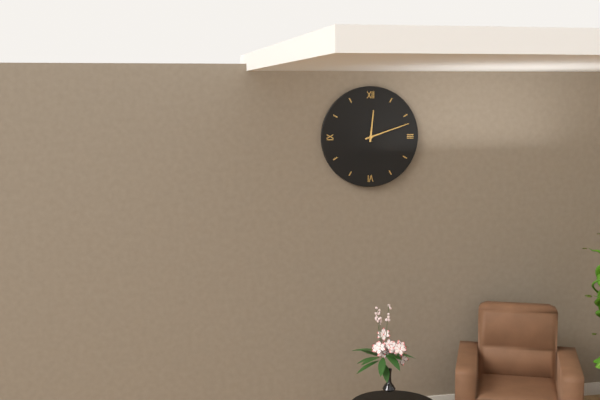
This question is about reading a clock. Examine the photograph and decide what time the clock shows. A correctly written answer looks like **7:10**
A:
**12:12**
